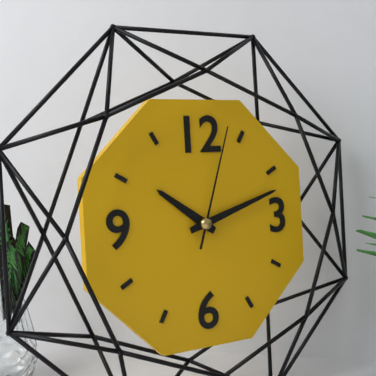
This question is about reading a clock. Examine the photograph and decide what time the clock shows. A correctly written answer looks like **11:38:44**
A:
**10:12:03**
